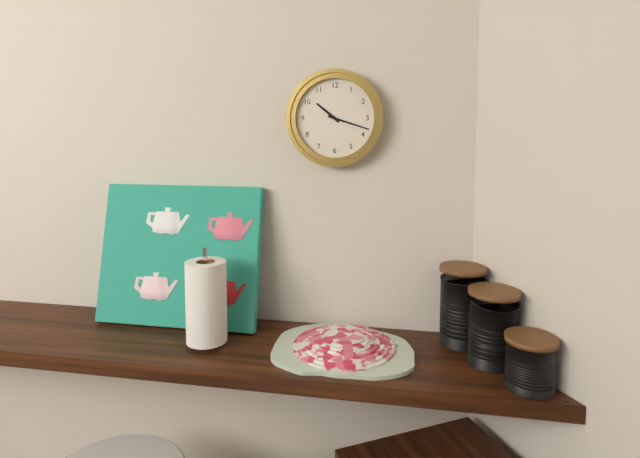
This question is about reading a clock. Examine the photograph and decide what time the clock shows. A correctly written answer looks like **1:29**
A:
**10:18**
